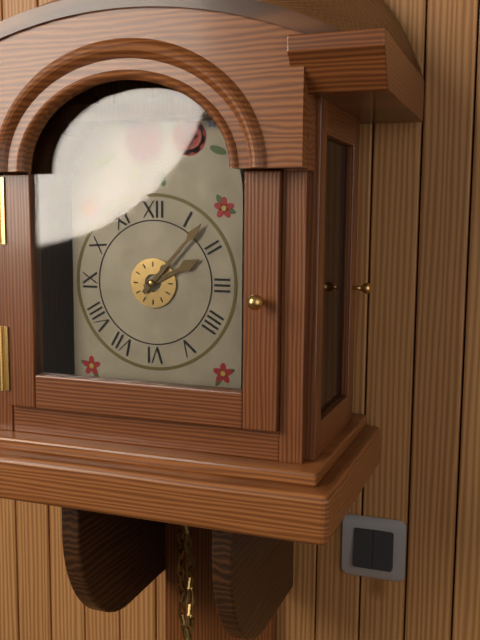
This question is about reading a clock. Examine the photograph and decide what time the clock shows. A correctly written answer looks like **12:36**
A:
**2:07**
